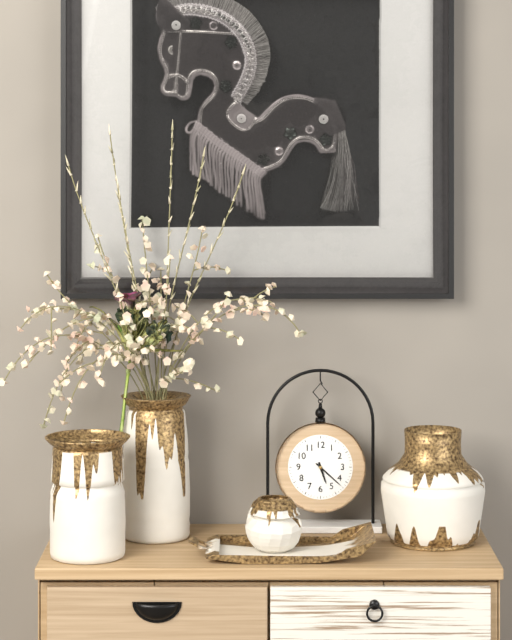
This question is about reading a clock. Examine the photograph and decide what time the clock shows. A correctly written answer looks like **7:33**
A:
**5:22**
